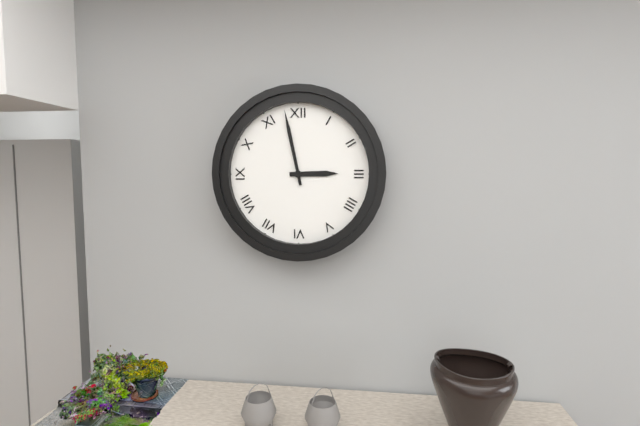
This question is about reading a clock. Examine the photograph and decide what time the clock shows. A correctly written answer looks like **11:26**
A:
**2:58**
